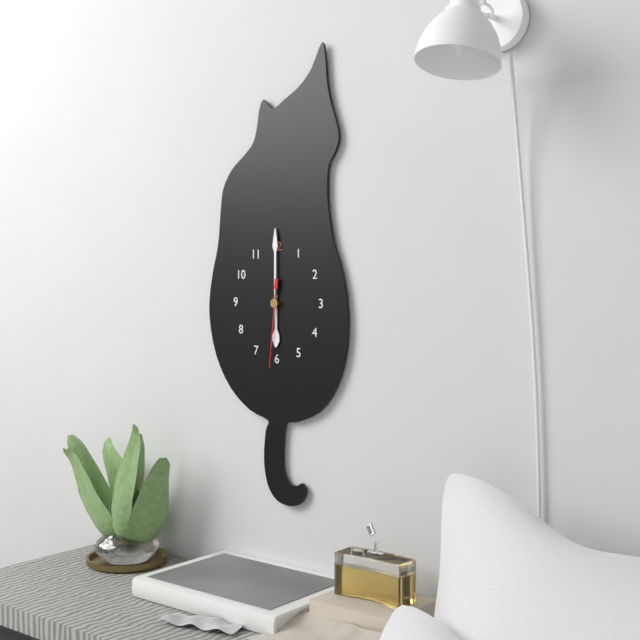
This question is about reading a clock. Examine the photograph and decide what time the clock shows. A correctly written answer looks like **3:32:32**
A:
**6:00:31**
